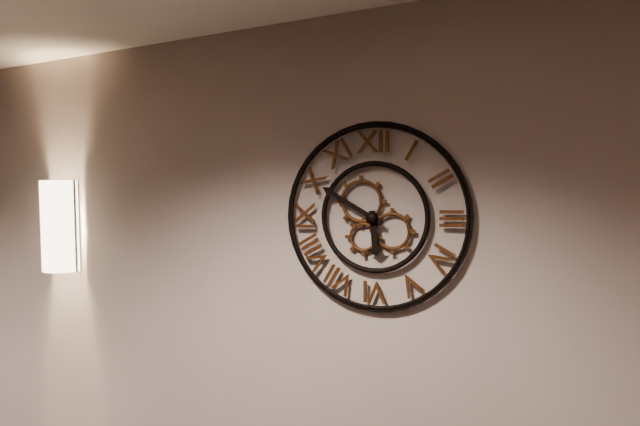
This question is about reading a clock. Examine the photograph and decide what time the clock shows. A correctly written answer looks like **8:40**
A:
**5:50**
